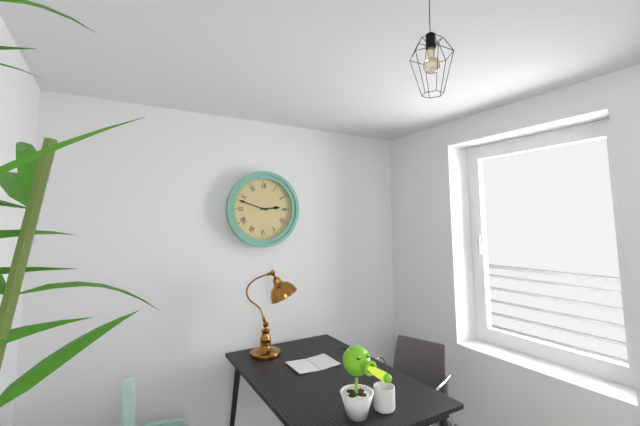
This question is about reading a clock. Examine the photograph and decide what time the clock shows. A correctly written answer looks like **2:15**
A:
**2:48**
